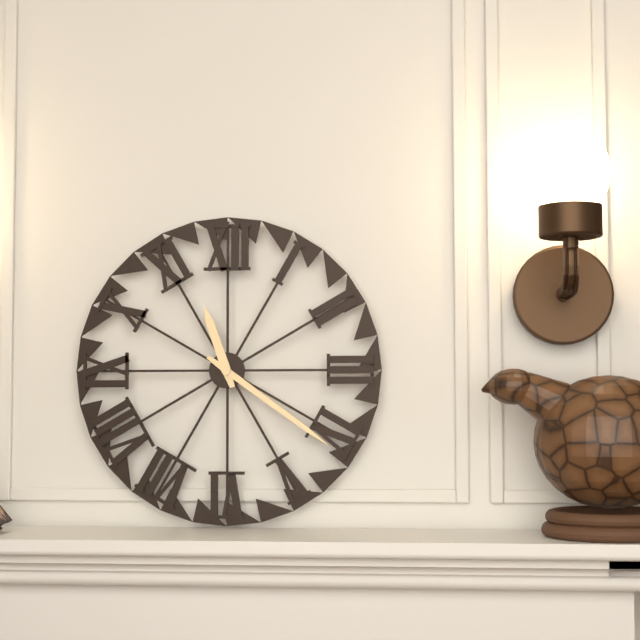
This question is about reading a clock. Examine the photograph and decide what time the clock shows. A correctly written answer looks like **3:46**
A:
**11:21**
